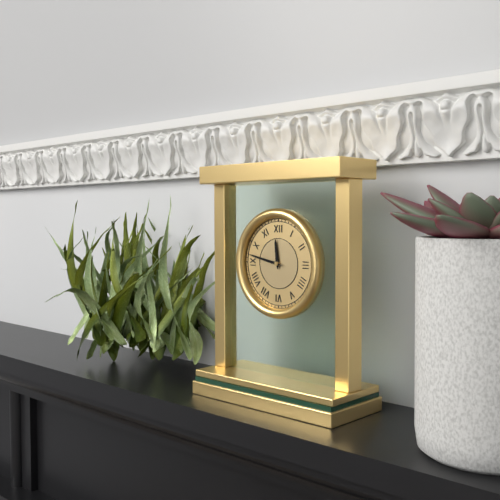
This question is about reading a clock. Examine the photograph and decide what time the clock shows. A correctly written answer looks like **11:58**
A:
**11:47**
